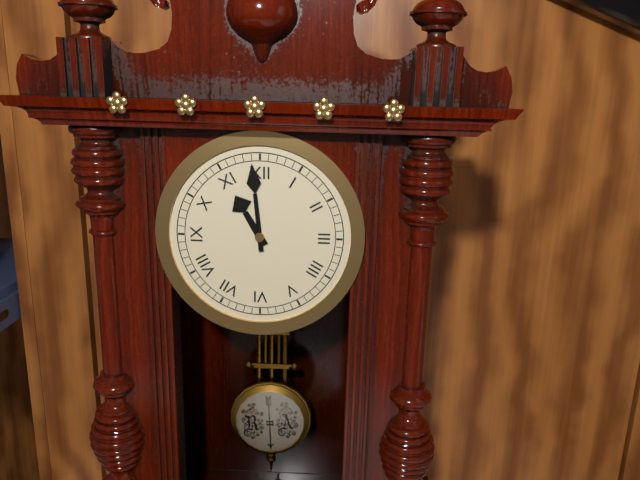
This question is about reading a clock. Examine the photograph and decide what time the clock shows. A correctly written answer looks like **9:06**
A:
**10:59**
